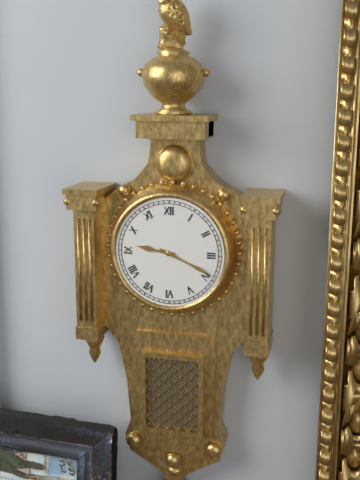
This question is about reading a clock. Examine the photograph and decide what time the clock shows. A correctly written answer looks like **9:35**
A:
**9:19**
